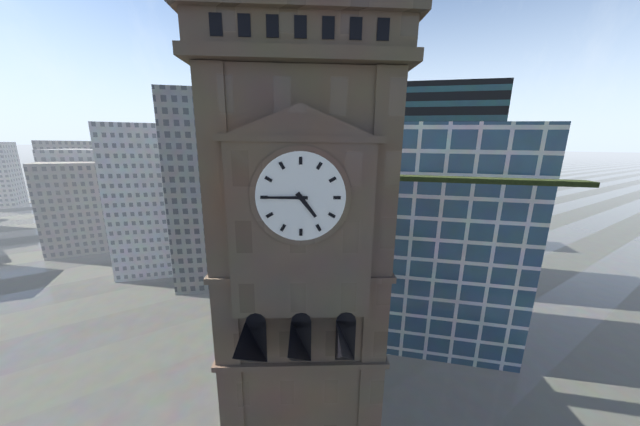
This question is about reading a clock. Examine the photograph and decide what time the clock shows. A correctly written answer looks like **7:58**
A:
**4:45**
